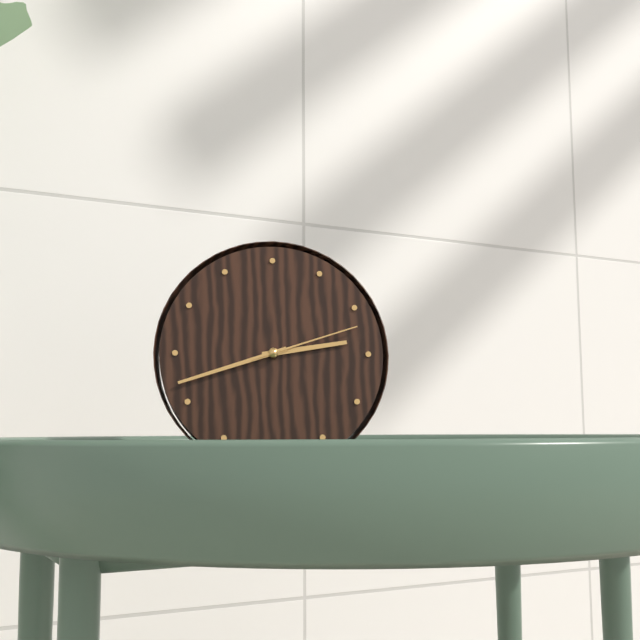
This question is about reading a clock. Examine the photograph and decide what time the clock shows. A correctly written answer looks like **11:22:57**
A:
**2:42:12**
